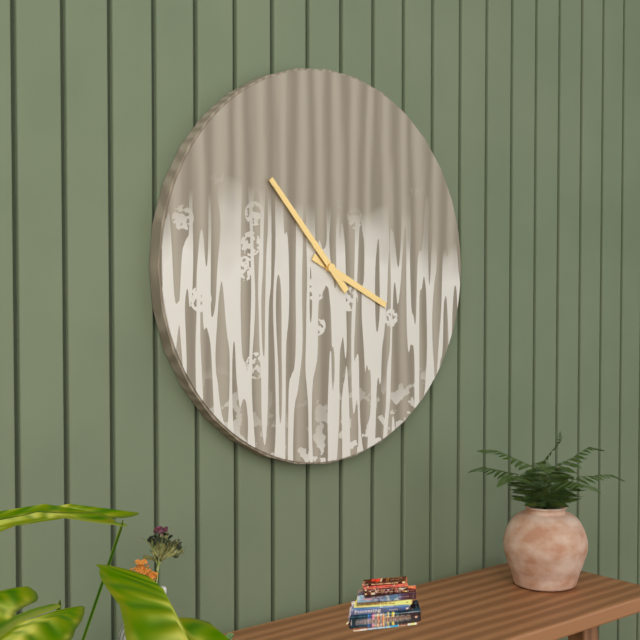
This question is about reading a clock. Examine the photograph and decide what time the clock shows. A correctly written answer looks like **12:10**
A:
**3:53**
